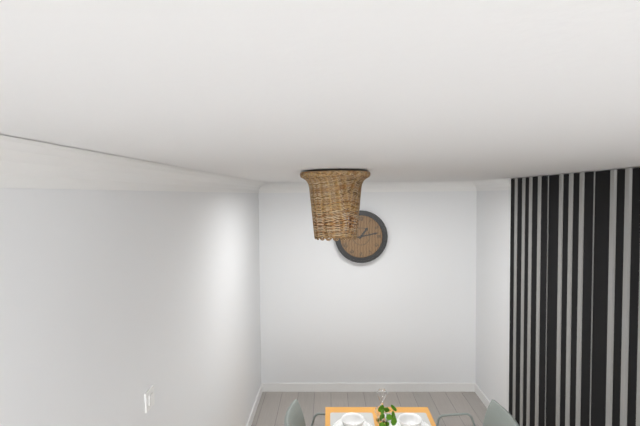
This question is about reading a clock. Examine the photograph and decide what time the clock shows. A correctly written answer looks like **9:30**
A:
**1:13**
